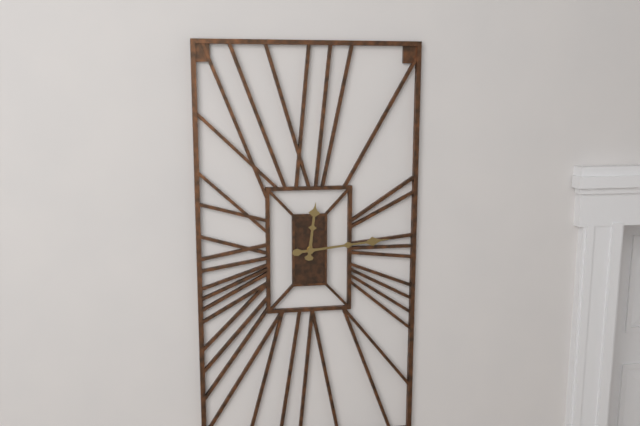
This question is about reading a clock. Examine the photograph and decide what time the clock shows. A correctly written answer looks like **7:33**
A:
**12:14**
